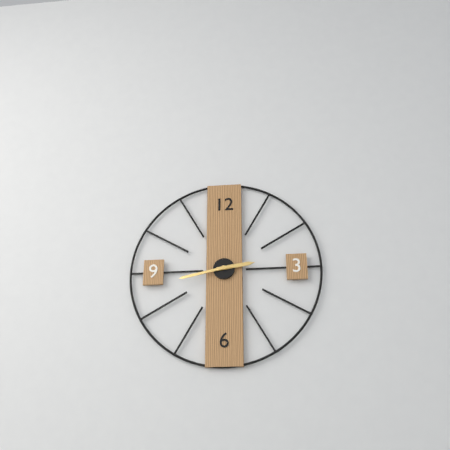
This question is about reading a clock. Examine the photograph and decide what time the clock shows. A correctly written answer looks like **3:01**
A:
**2:43**
